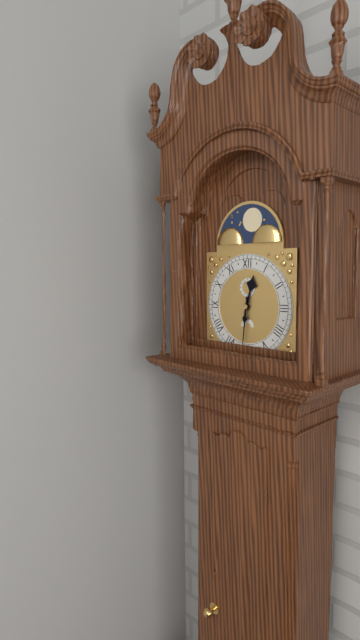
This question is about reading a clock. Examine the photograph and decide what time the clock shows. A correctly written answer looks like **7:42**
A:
**12:31**
